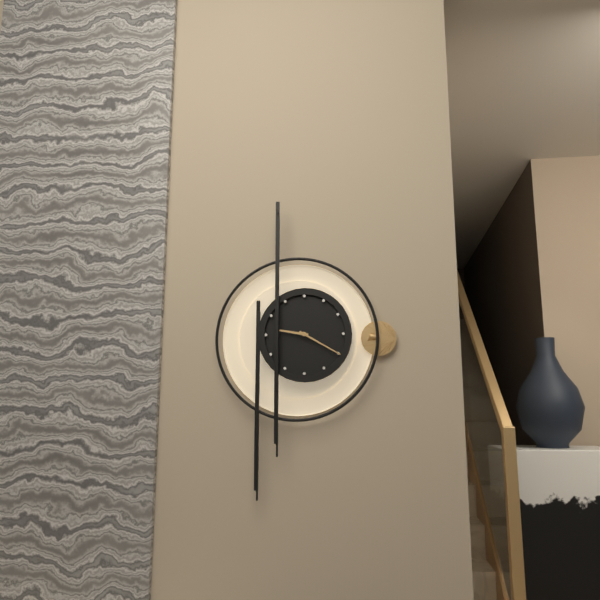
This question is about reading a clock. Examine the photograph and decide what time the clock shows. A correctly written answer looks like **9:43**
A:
**9:20**
